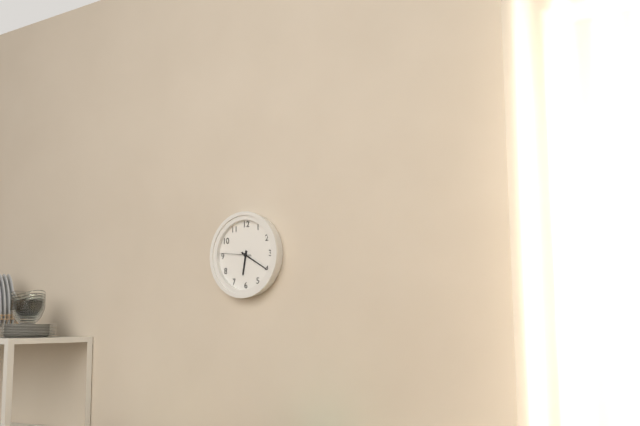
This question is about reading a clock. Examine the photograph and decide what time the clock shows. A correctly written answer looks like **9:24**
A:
**6:20**
